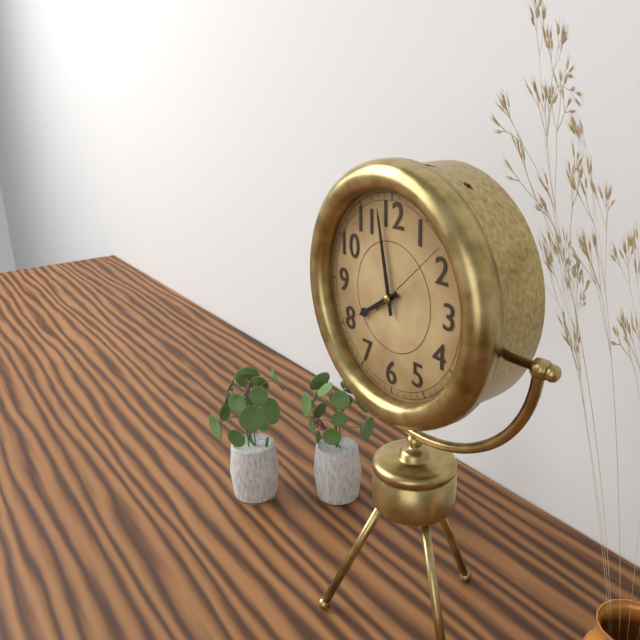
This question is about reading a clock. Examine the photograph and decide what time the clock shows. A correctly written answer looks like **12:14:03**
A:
**7:58:08**
